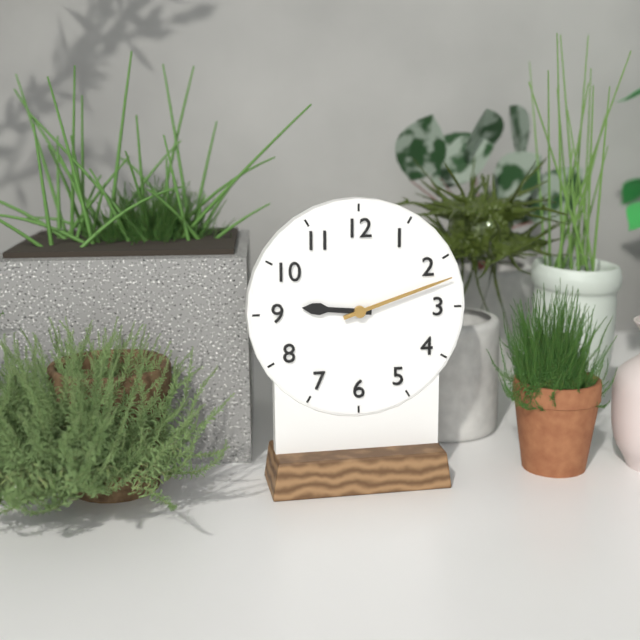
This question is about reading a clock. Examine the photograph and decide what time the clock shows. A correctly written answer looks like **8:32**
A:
**9:12**
